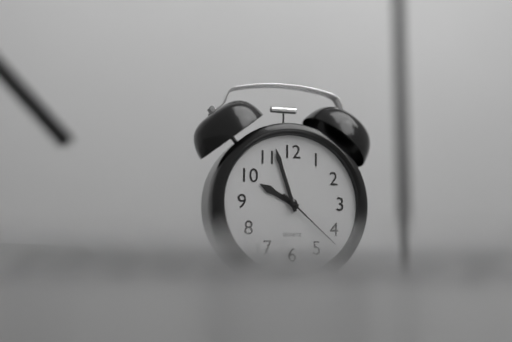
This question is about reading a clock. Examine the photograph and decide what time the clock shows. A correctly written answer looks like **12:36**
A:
**9:57**
